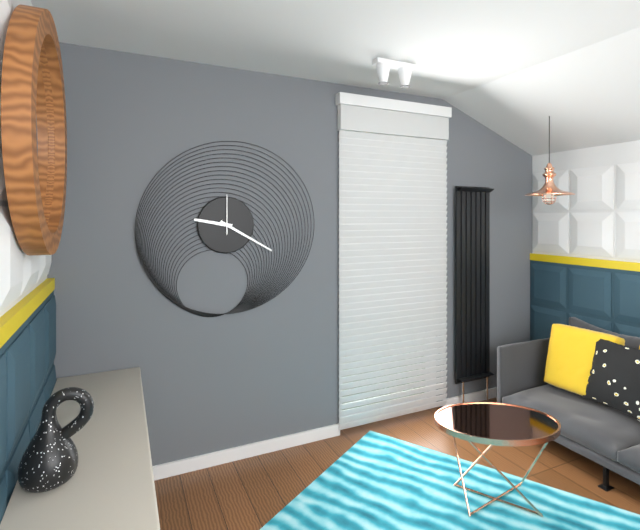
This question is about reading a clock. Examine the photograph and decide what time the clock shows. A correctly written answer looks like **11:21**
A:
**9:20**
